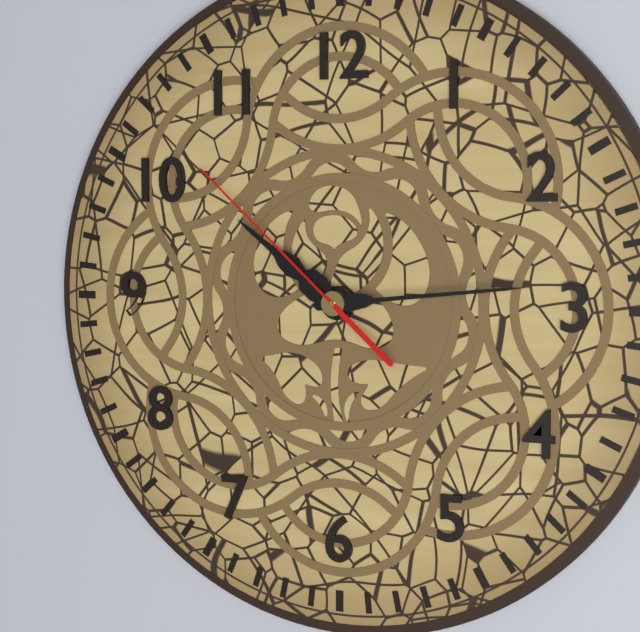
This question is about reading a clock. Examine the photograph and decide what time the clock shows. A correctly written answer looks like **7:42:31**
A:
**10:14:52**
